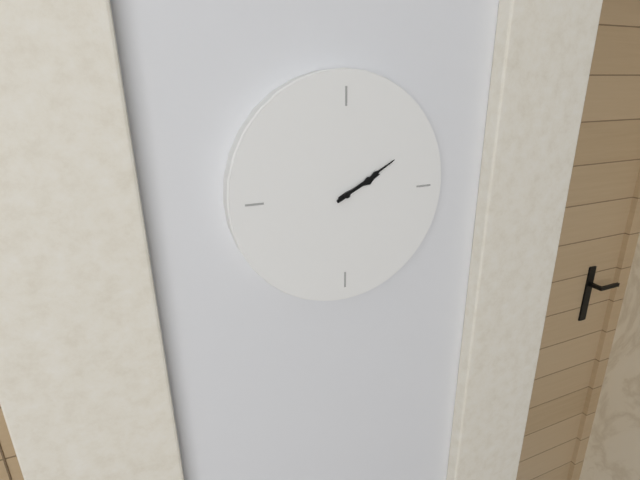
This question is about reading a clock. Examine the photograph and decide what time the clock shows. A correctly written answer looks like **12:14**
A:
**2:10**
